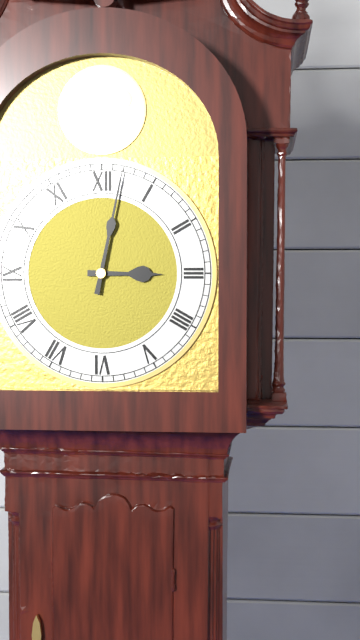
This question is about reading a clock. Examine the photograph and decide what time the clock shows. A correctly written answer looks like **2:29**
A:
**3:02**
